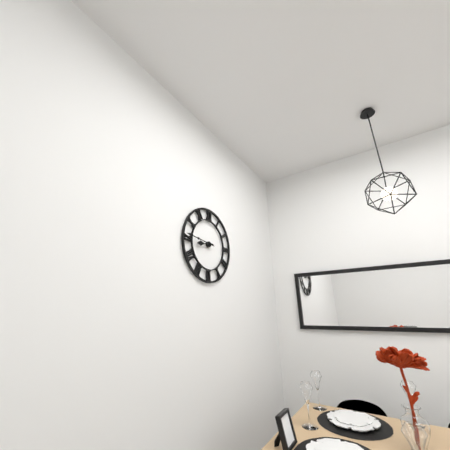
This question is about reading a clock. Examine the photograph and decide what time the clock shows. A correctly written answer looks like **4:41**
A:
**8:46**
